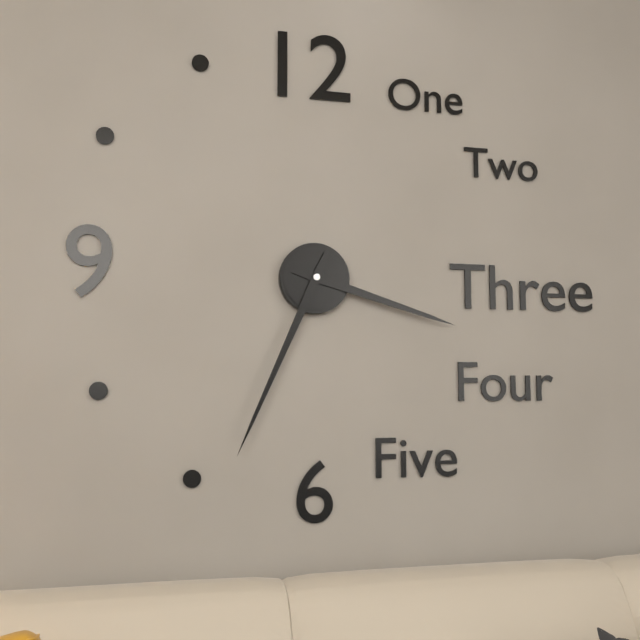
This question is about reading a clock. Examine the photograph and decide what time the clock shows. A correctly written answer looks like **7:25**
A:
**3:34**
